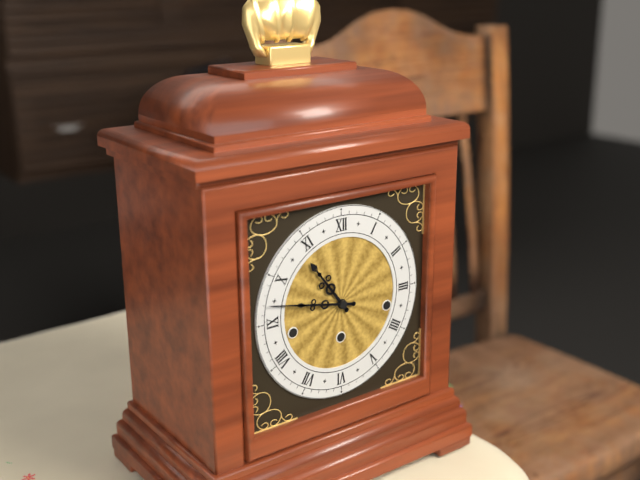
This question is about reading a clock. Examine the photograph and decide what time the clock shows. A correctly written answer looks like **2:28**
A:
**10:47**
